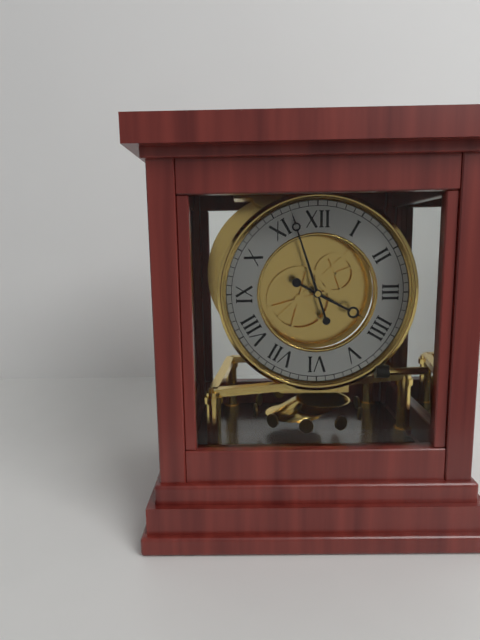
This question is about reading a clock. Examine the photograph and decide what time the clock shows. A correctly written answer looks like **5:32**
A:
**3:57**
